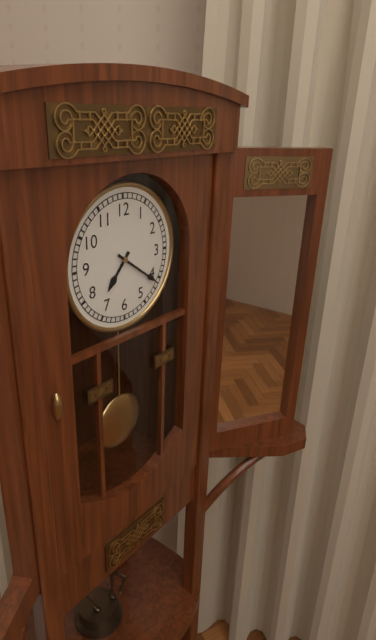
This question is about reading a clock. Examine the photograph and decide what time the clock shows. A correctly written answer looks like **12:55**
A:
**7:21**
